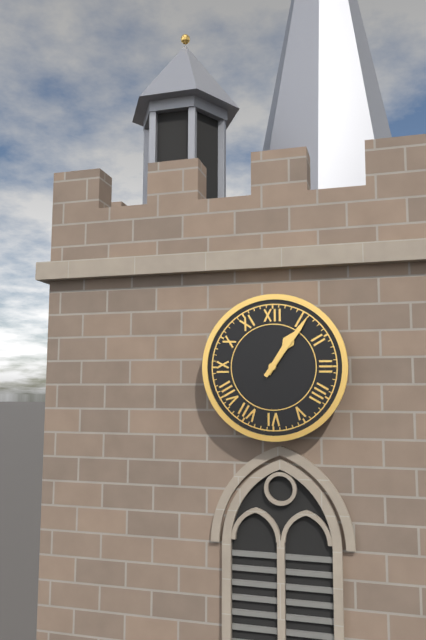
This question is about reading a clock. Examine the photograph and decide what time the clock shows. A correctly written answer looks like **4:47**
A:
**1:06**
